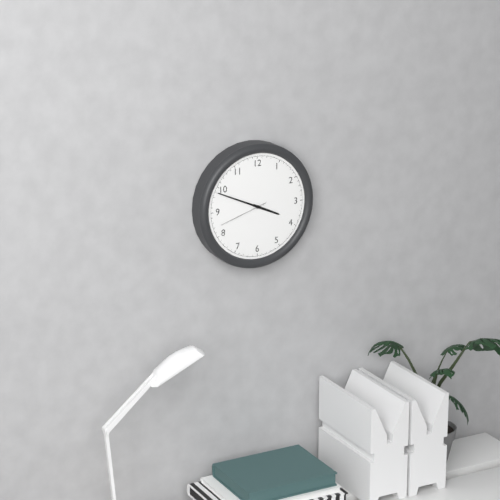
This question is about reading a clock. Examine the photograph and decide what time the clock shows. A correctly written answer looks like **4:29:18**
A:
**3:49:42**
